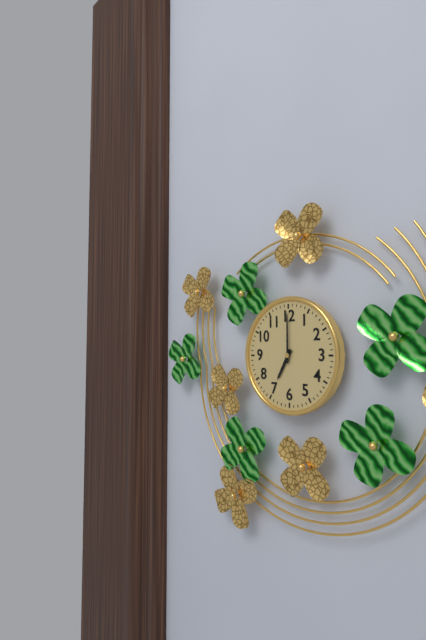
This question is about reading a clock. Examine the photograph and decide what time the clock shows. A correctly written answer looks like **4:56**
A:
**7:00**
